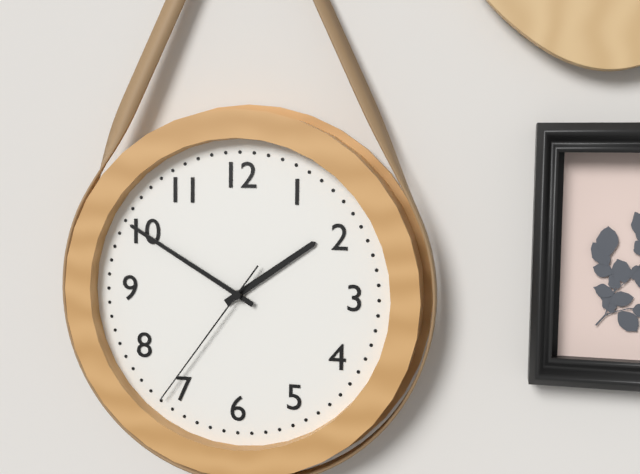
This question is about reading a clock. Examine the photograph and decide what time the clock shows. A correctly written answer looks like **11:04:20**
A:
**1:50:36**
